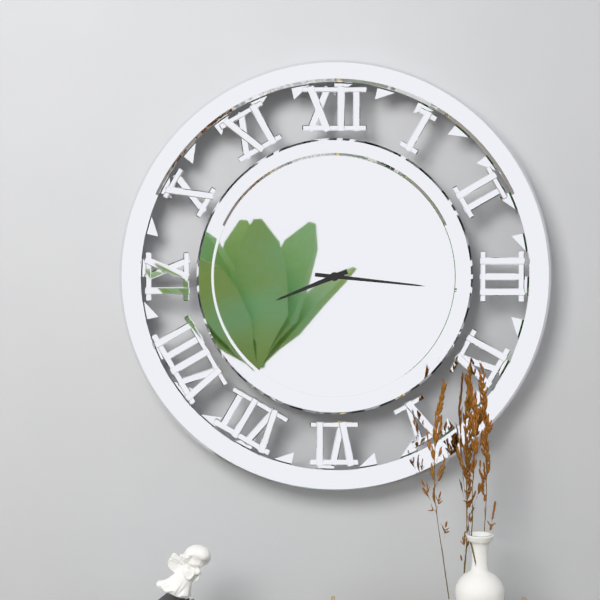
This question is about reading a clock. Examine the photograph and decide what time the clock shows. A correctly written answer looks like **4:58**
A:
**8:16**
